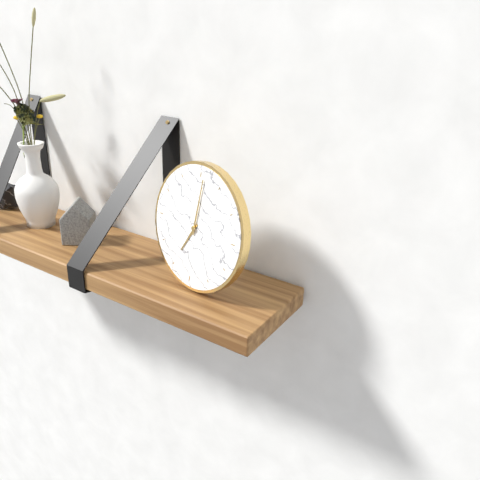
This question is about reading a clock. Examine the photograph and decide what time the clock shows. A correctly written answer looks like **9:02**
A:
**7:01**
